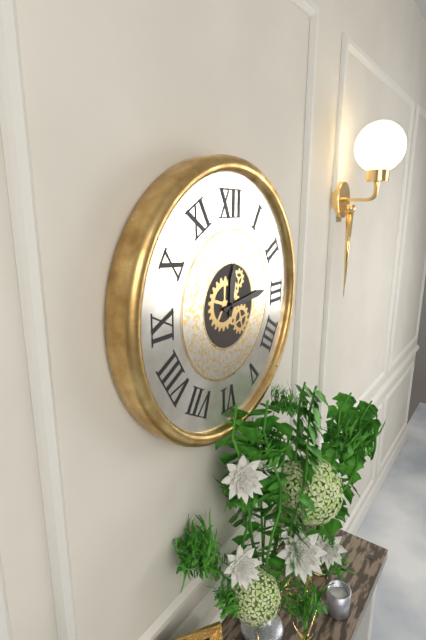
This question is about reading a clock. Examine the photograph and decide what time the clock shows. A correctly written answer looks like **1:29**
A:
**12:14**
